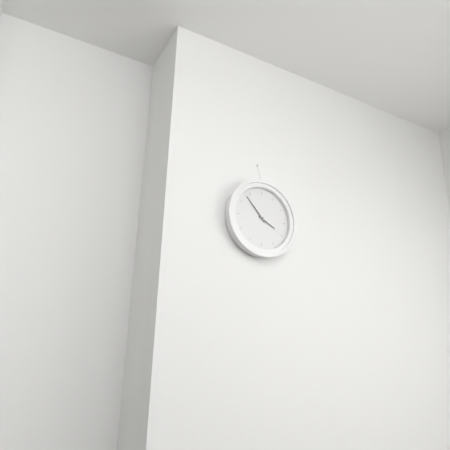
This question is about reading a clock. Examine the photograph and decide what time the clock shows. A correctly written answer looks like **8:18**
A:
**3:53**
